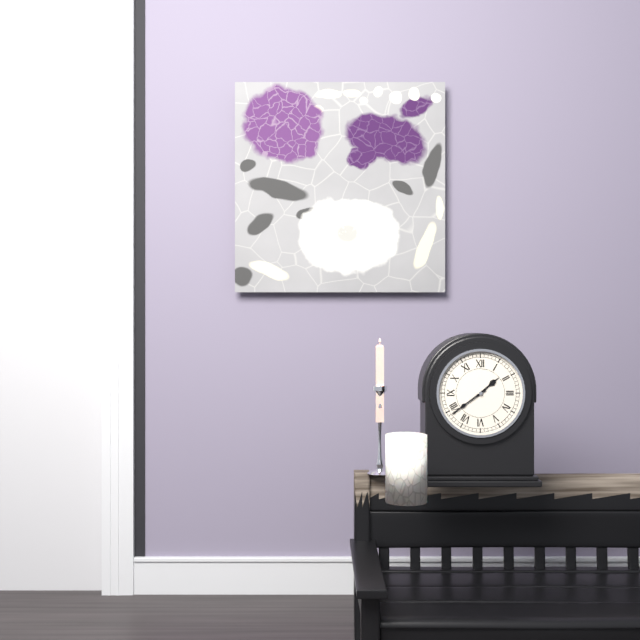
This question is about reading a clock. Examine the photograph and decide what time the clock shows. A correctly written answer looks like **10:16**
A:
**1:39**
